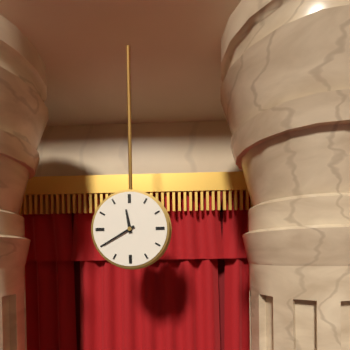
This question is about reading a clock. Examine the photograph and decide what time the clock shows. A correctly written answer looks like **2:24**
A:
**11:40**
